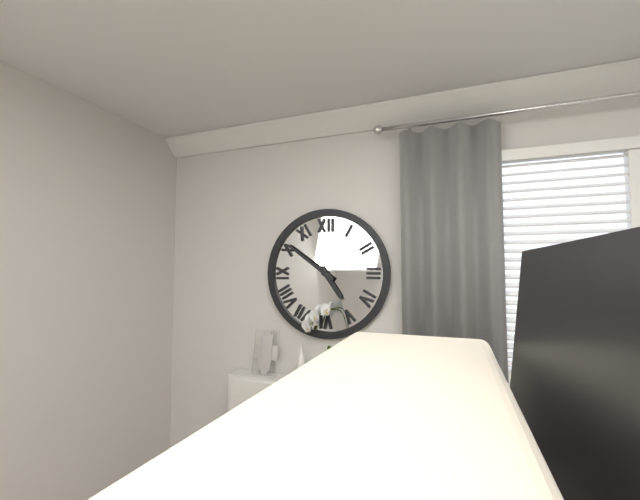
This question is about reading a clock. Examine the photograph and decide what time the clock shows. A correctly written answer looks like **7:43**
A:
**4:51**
